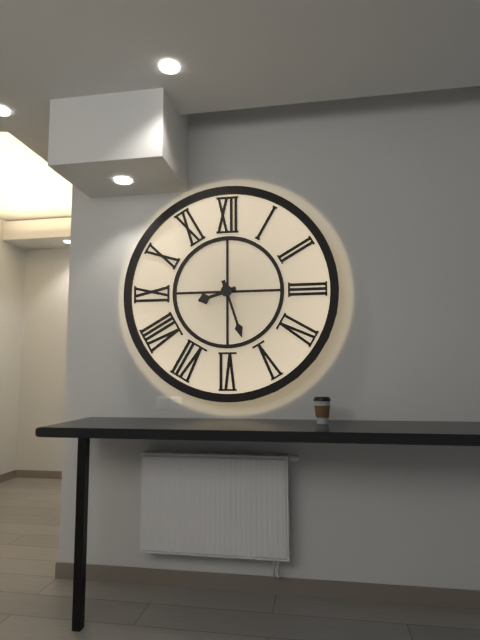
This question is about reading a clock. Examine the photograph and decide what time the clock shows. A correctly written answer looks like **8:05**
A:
**8:27**
